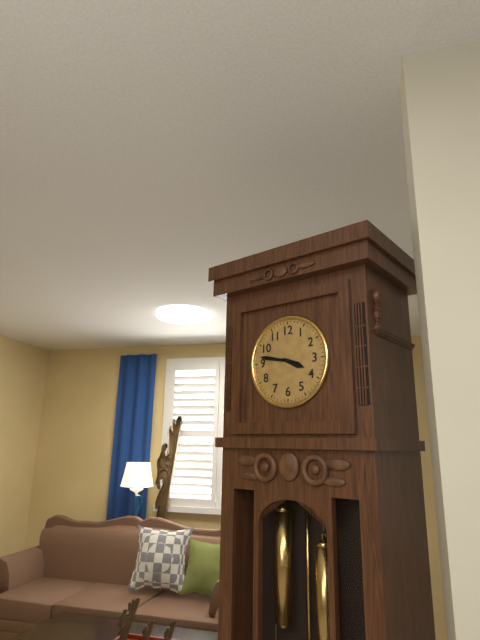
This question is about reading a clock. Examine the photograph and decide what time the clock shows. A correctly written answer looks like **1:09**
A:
**3:47**
